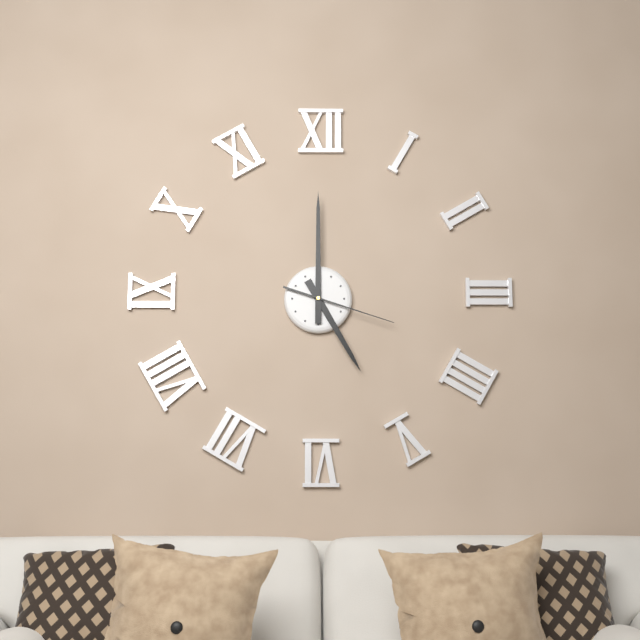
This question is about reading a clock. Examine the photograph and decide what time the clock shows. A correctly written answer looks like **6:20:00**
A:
**5:00:18**
